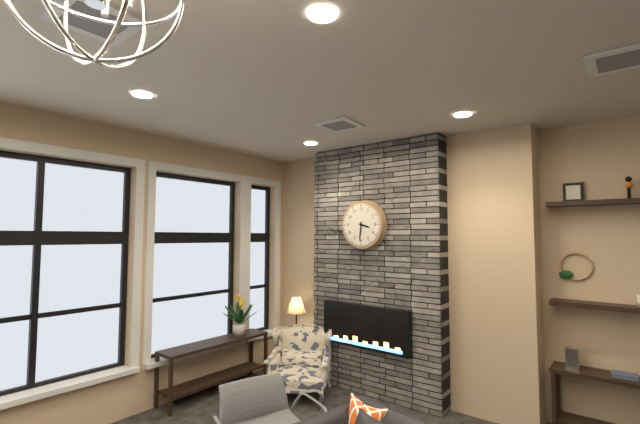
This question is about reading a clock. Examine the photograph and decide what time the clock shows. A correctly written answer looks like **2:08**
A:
**3:31**
